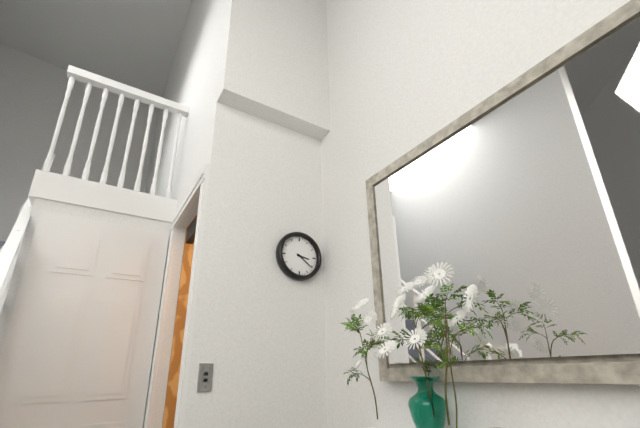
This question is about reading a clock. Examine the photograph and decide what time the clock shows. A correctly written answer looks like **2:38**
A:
**3:21**
